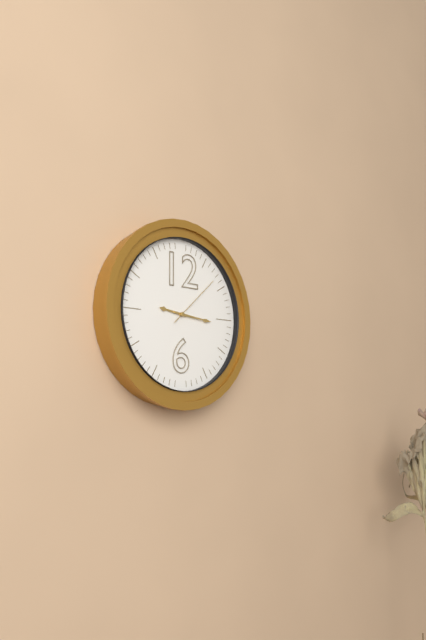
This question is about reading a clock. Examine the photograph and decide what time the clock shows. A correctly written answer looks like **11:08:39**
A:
**9:16:08**
